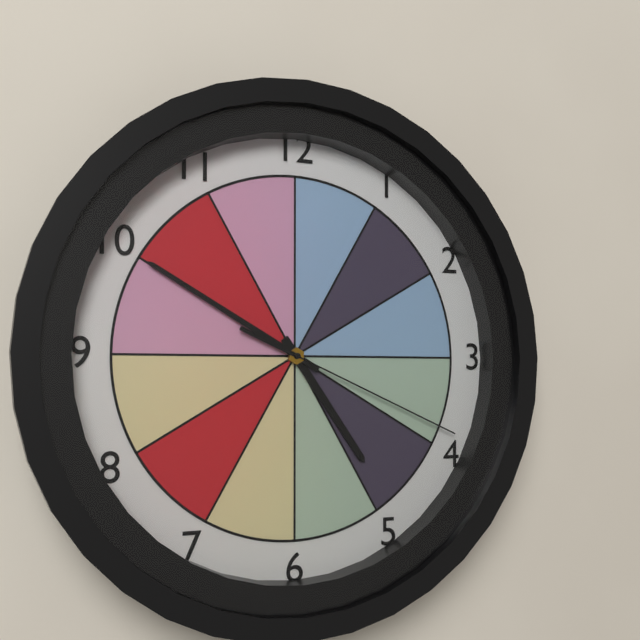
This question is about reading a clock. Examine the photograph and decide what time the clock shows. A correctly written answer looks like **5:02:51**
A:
**4:50:19**
